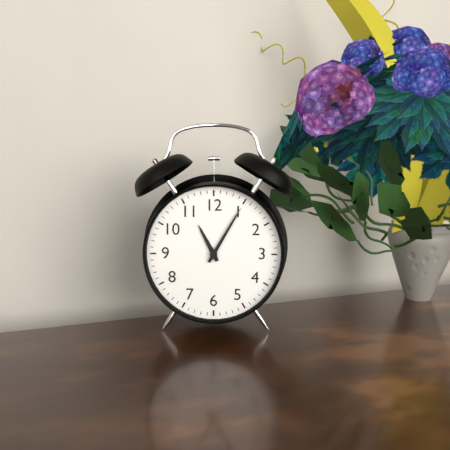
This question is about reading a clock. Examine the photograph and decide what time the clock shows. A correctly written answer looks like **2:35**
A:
**11:05**
